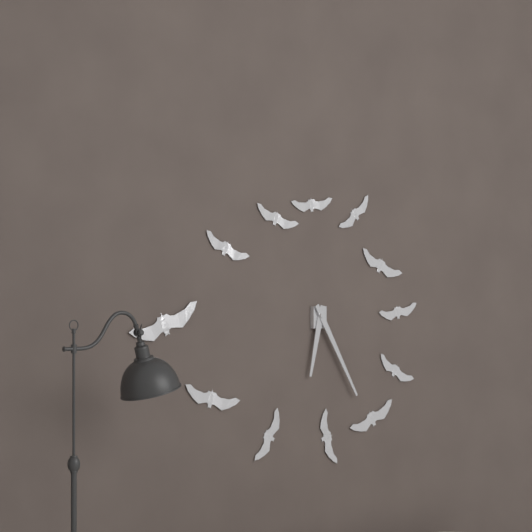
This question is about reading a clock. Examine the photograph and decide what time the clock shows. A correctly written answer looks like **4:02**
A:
**6:25**
